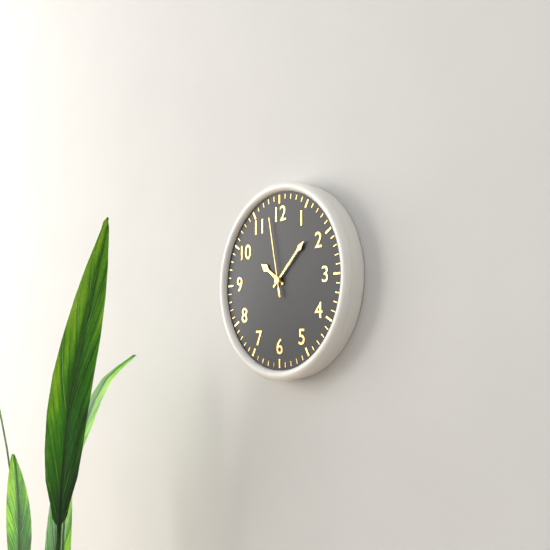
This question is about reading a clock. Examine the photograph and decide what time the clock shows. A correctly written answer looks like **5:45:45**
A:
**10:08:58**
